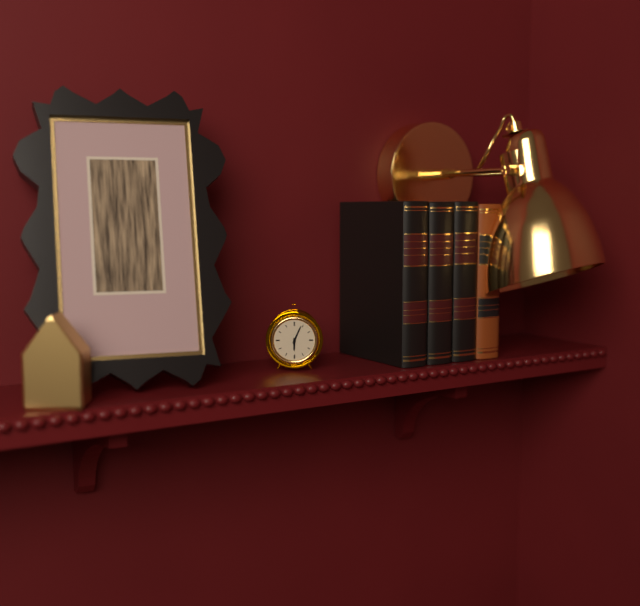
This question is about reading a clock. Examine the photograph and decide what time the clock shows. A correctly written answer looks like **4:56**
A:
**6:04**
